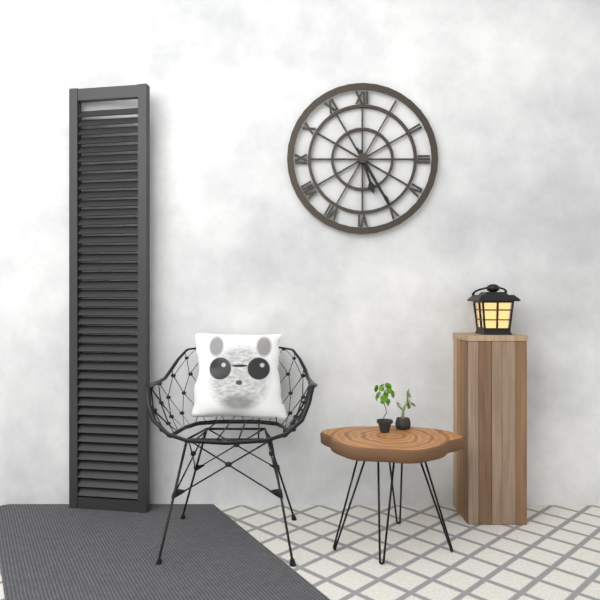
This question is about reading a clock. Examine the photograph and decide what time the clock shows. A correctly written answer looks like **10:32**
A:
**5:25**
